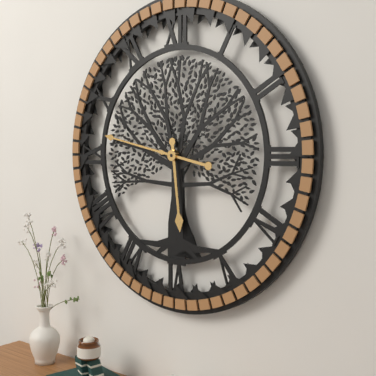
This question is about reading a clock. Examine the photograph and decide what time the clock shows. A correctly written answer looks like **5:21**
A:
**5:47**
